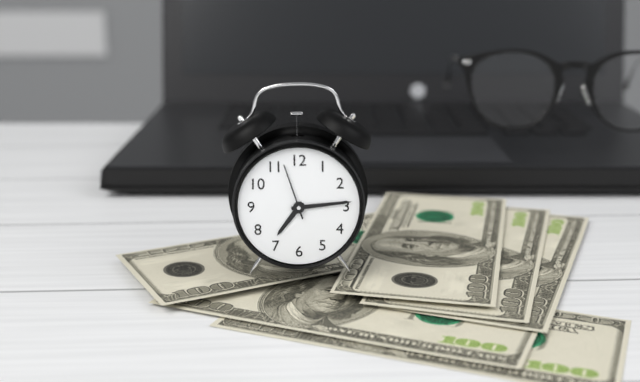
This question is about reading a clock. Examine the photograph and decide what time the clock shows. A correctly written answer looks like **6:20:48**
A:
**7:14:57**
